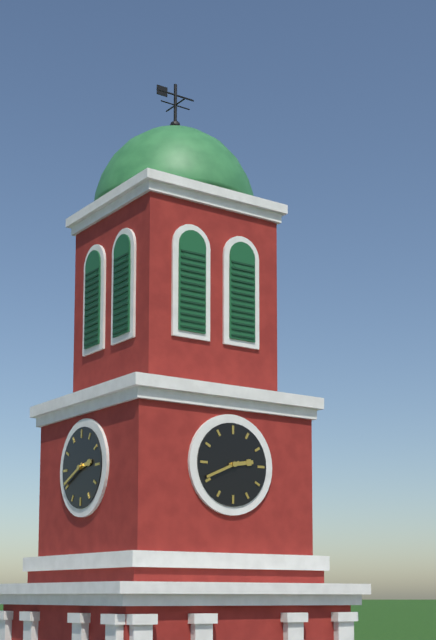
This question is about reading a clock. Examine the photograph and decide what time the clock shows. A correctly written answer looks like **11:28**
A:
**2:41**
